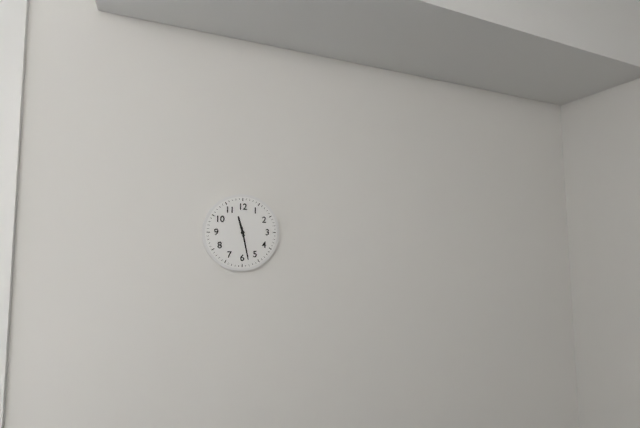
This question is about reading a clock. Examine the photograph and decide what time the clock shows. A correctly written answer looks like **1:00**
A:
**11:28**
